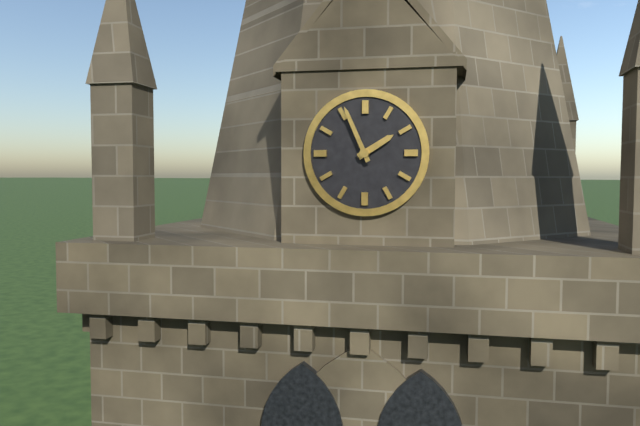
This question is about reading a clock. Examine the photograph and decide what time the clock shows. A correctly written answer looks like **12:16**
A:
**1:56**
